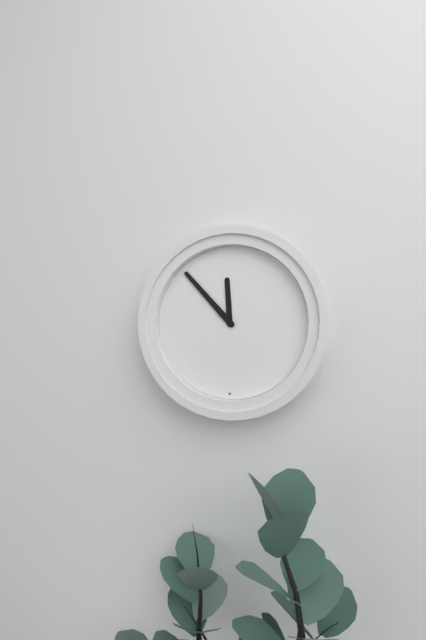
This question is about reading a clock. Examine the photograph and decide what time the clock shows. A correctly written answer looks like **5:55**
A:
**11:53**
